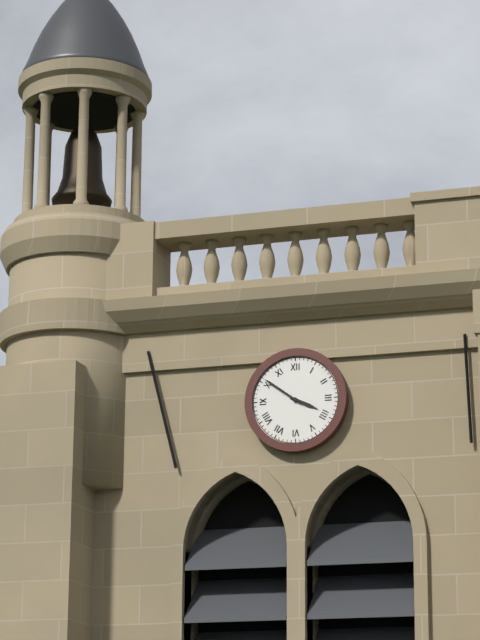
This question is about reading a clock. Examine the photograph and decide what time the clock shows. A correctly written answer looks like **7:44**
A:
**3:51**
